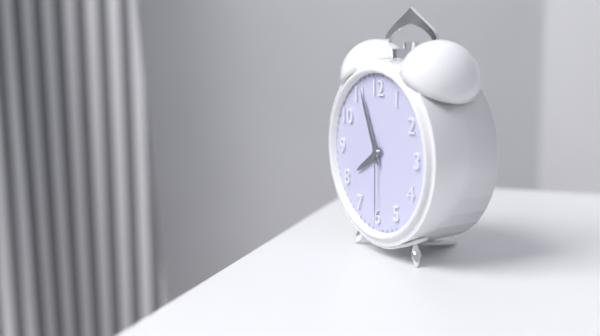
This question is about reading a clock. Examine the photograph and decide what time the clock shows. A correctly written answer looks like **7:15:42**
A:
**7:56:30**
